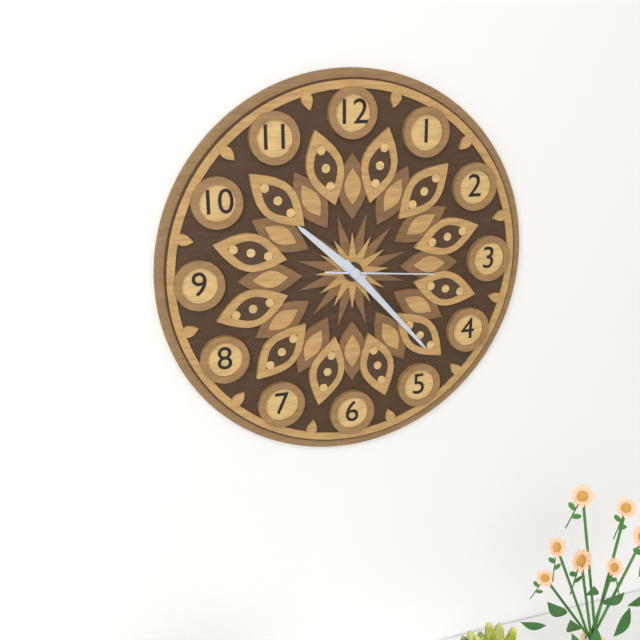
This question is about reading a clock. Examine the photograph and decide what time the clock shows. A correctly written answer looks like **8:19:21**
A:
**10:23:16**
